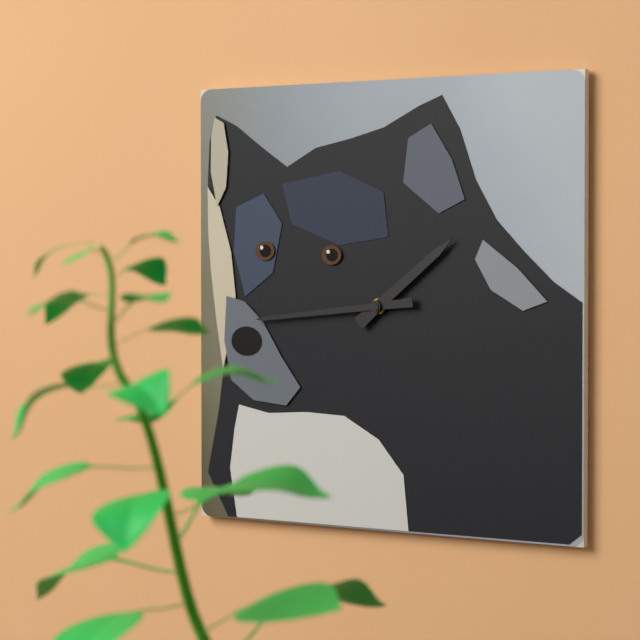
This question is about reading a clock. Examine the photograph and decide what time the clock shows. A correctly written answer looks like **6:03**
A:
**1:44**
